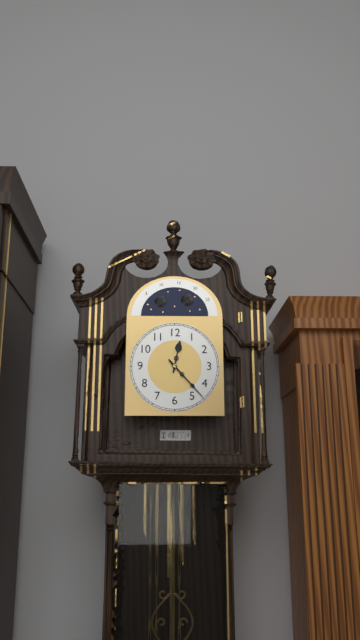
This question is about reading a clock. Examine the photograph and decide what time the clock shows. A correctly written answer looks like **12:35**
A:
**12:23**
